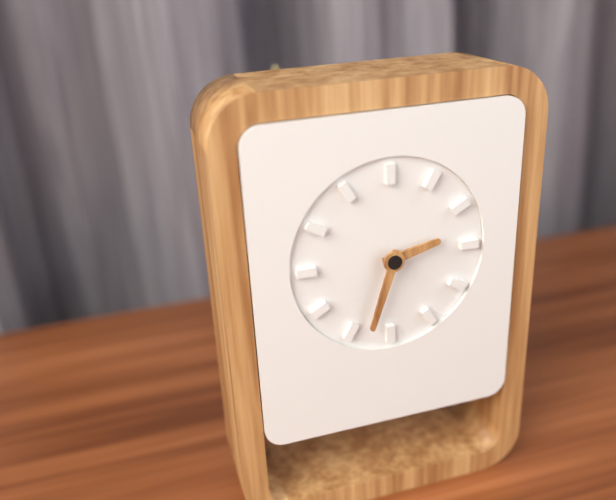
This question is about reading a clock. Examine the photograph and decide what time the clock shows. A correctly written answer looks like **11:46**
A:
**2:33**
